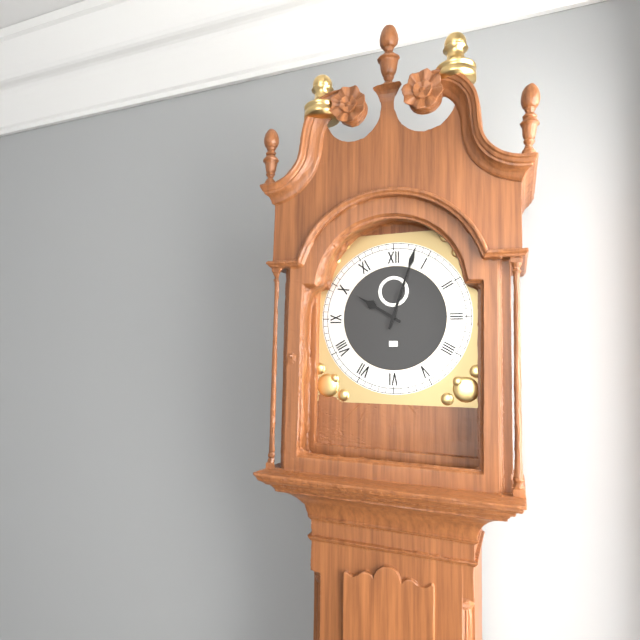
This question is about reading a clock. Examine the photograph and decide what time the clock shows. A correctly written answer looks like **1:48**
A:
**10:03**
